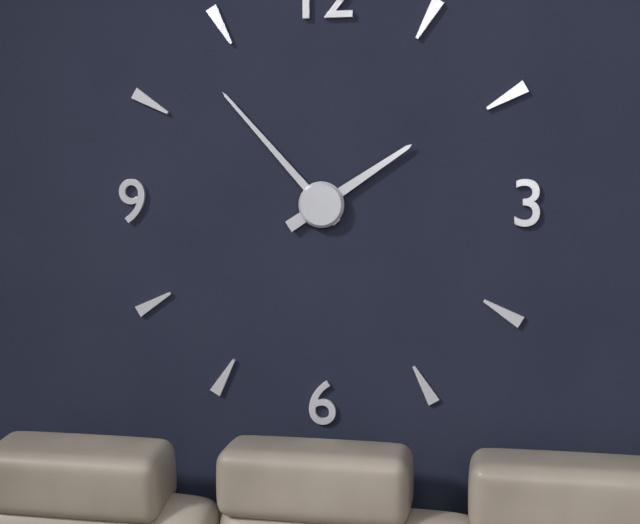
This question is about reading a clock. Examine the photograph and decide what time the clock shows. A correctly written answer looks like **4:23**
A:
**1:53**
